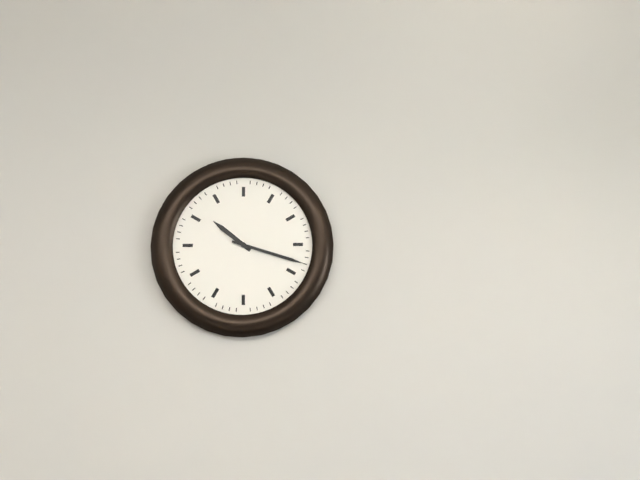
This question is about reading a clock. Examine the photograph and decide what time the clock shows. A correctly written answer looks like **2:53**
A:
**10:18**
